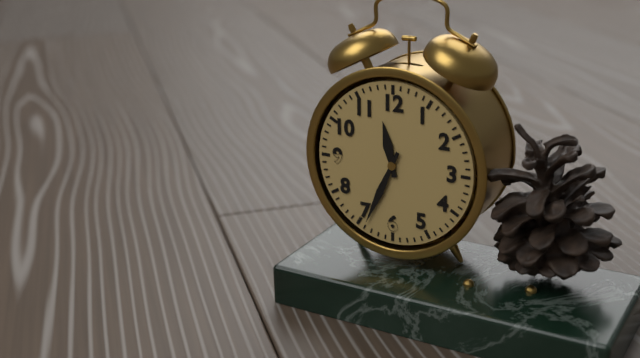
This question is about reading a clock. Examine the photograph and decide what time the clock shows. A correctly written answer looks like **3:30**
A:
**11:34**
